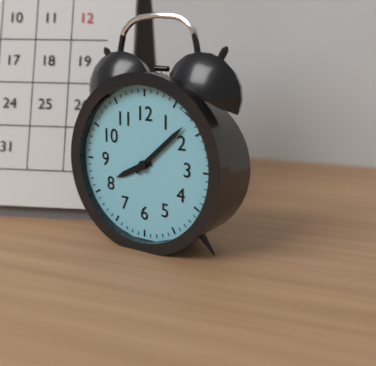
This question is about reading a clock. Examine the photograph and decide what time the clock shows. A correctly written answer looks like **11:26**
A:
**8:08**
